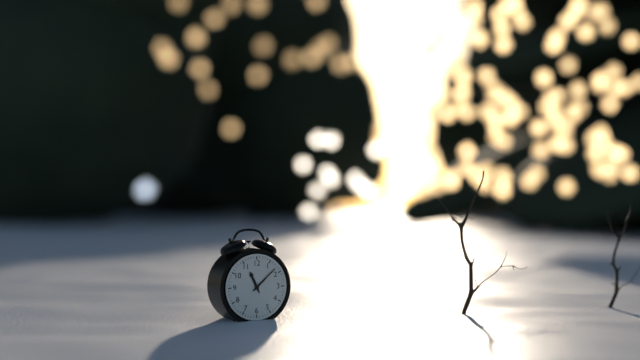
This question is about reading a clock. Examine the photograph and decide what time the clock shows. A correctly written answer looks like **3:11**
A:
**11:08**
